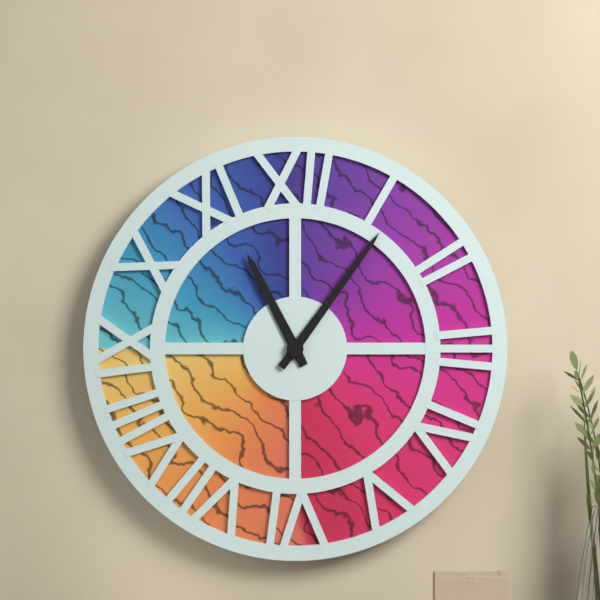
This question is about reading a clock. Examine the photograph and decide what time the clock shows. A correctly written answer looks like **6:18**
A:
**11:06**
